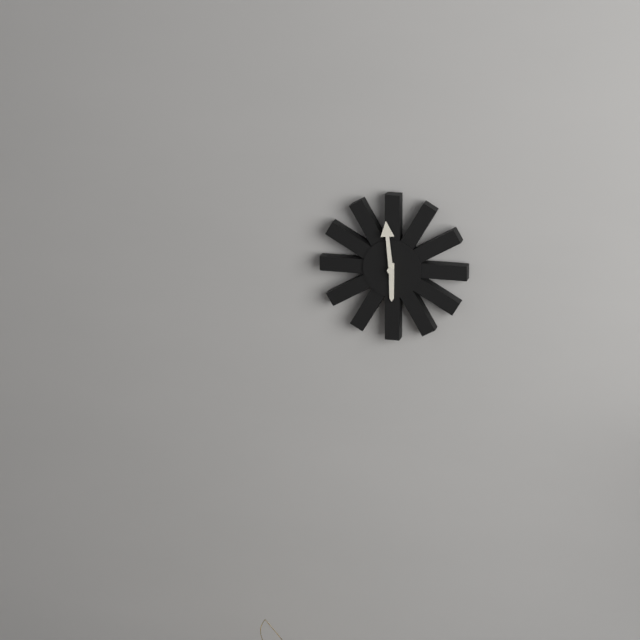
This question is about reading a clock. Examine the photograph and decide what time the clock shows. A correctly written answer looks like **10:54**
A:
**5:59**
